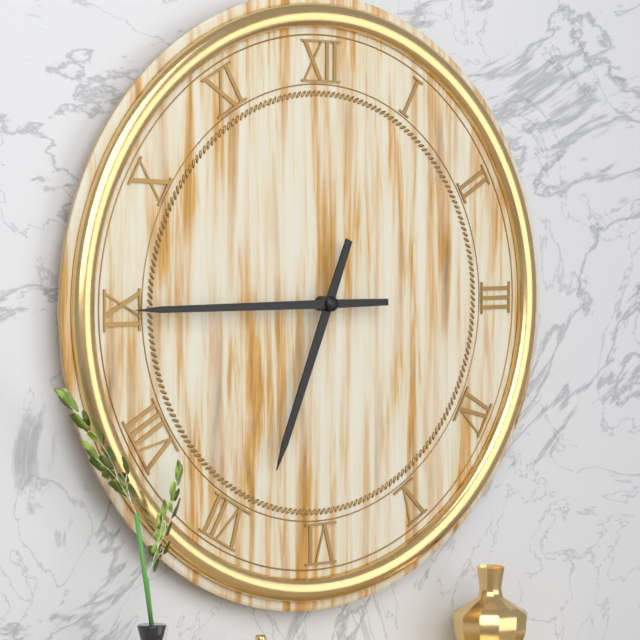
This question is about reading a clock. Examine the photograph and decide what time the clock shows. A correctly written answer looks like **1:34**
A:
**6:45**
